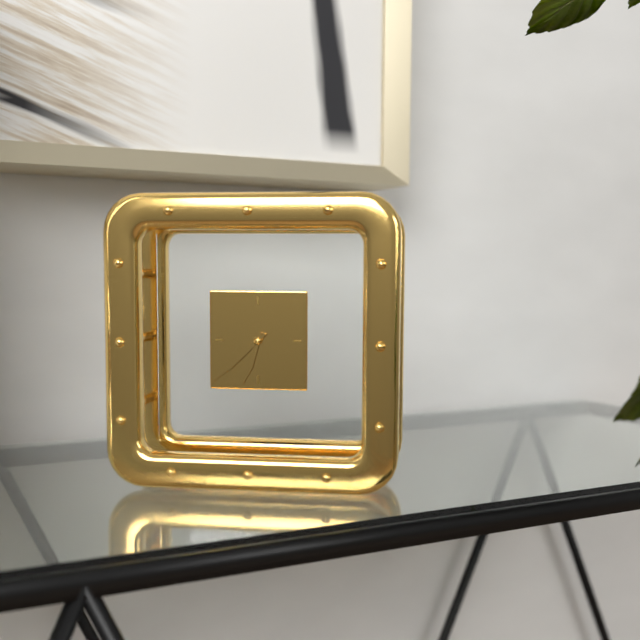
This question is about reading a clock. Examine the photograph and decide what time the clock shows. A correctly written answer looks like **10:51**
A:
**6:38**
